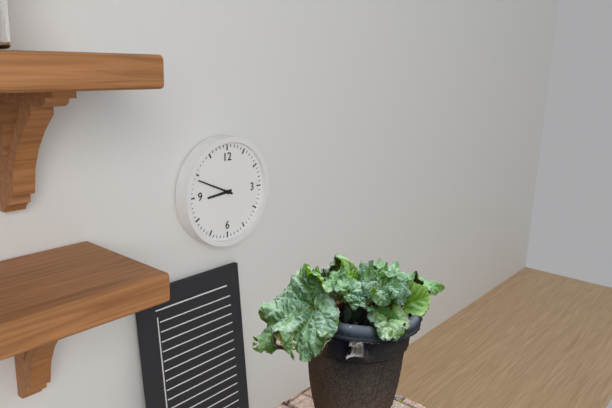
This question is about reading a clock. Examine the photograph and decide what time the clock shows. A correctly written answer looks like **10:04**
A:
**8:49**
